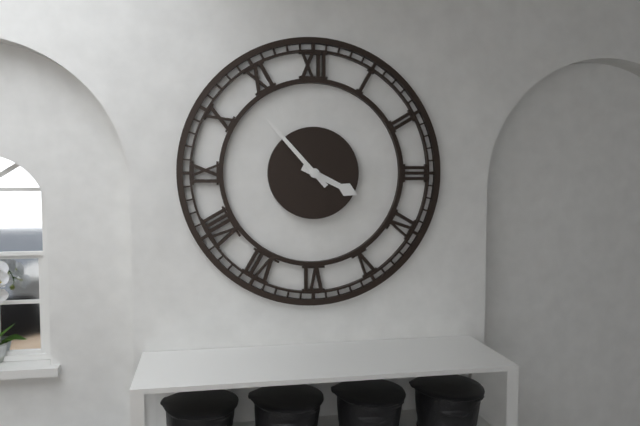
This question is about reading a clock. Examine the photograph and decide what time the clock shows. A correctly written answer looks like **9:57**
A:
**3:53**
